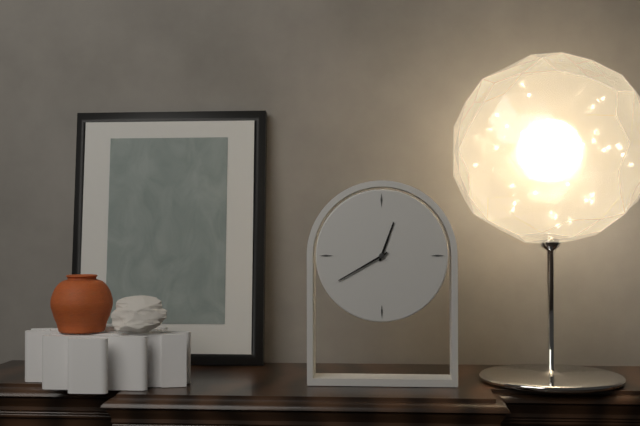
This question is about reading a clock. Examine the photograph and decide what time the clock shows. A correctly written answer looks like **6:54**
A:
**12:40**
